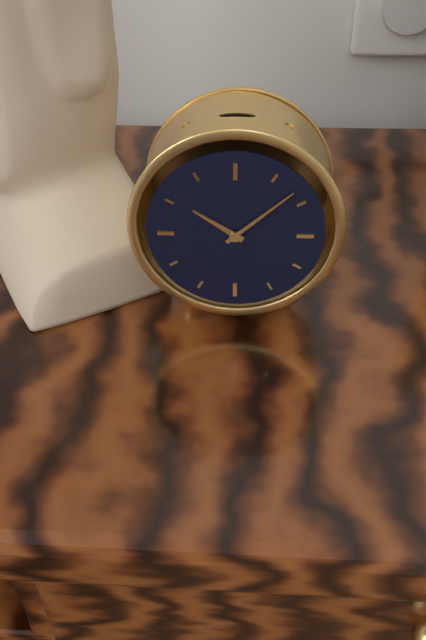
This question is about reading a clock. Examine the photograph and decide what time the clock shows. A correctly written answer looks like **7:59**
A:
**10:08**
